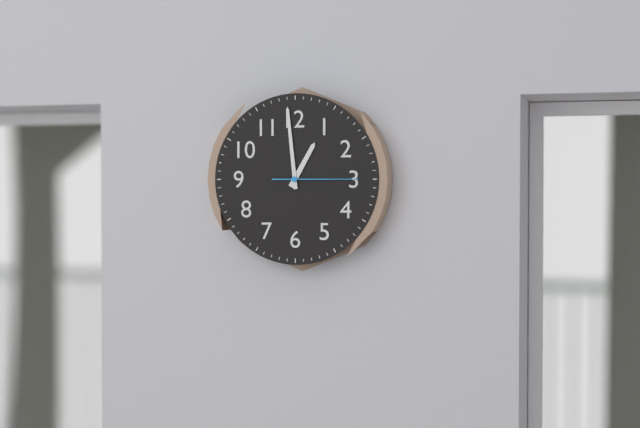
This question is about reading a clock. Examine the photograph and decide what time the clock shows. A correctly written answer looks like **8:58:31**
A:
**12:59:15**
